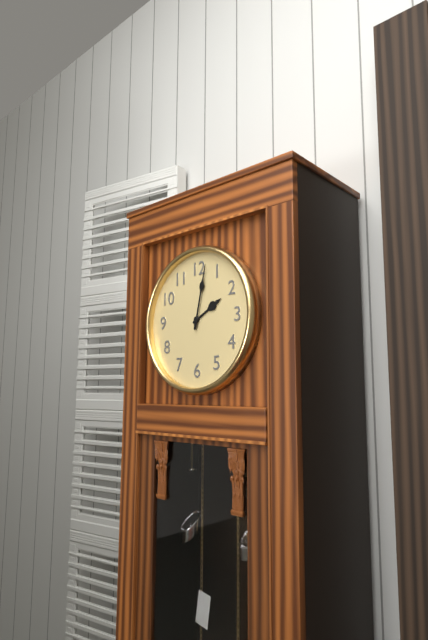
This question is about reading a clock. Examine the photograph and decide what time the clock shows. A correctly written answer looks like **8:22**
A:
**2:02**
